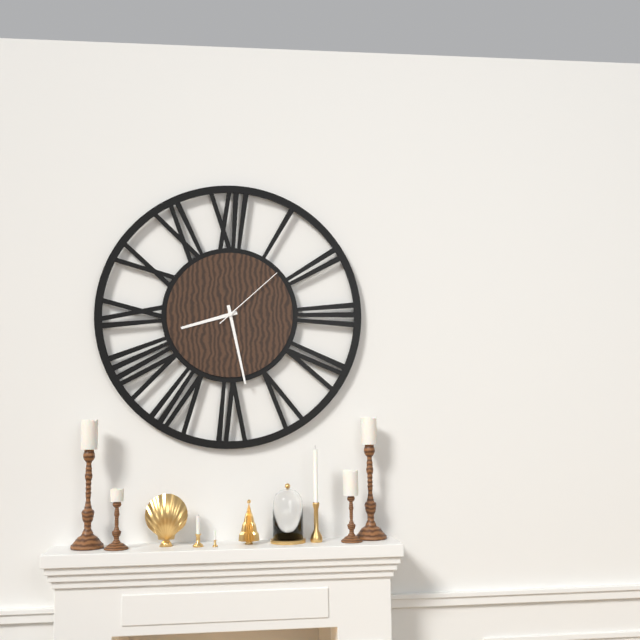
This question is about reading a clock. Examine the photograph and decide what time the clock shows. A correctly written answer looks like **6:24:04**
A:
**8:28:08**
